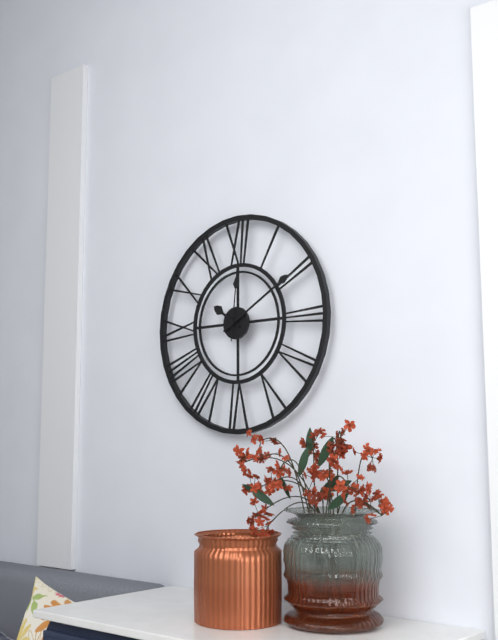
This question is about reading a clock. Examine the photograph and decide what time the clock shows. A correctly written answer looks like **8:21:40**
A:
**10:10:01**
